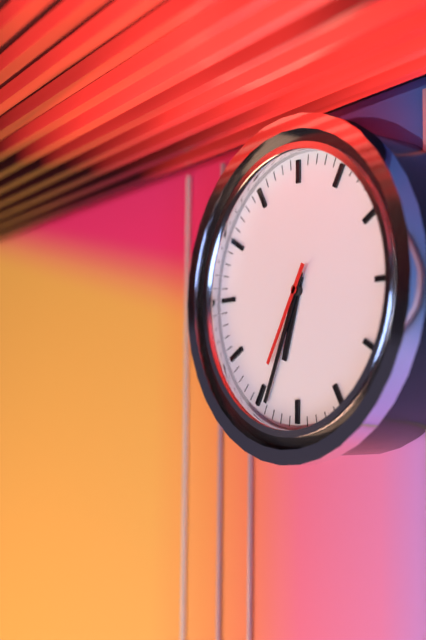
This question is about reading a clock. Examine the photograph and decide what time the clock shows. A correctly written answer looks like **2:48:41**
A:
**6:34:35**
